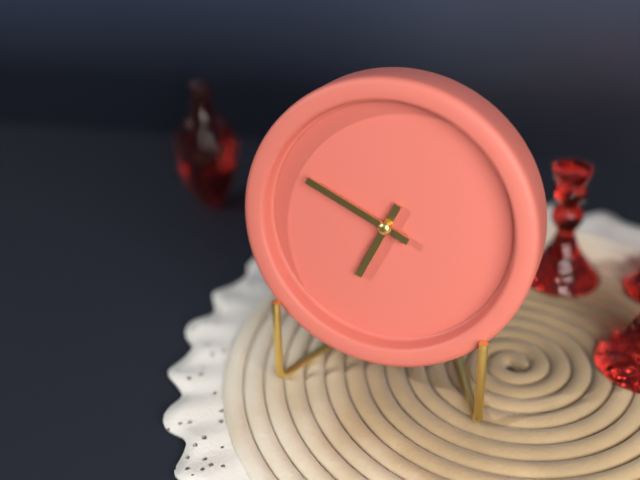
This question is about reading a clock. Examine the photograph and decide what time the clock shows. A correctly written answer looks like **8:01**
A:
**6:49**
